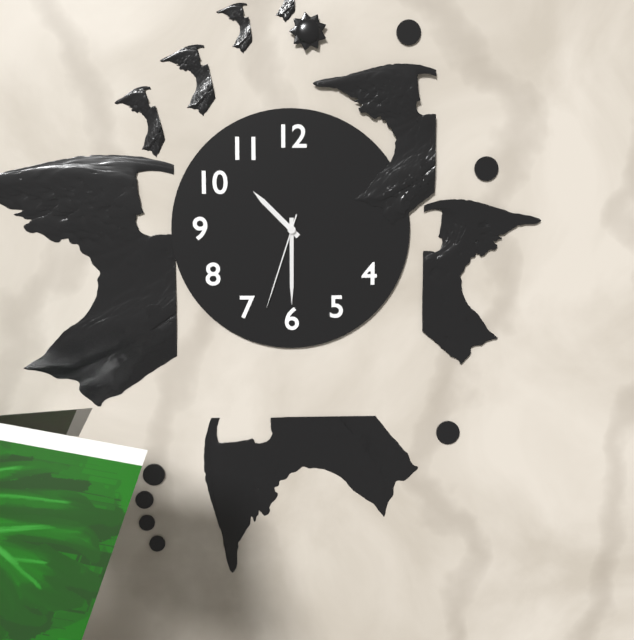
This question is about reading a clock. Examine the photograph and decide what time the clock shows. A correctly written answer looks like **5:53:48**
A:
**10:30:33**
